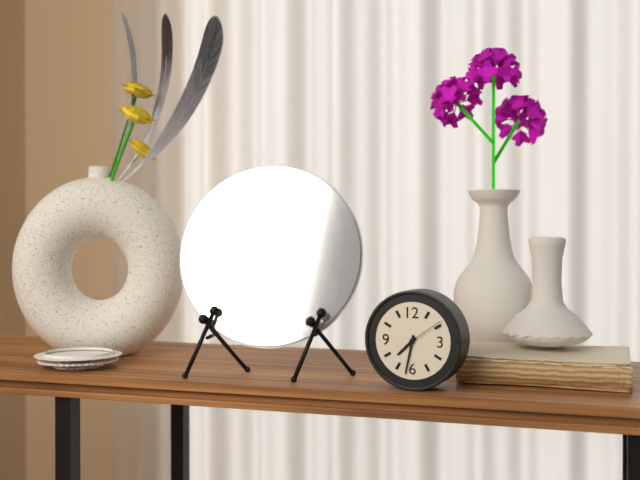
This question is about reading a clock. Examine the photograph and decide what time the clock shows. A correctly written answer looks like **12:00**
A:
**7:32**
